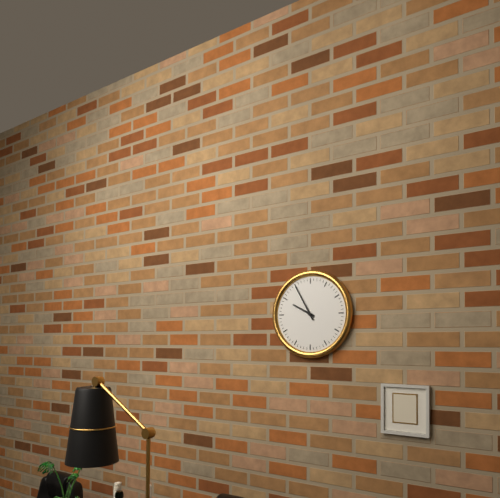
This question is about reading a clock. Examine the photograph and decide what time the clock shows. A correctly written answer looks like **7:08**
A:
**9:55**
